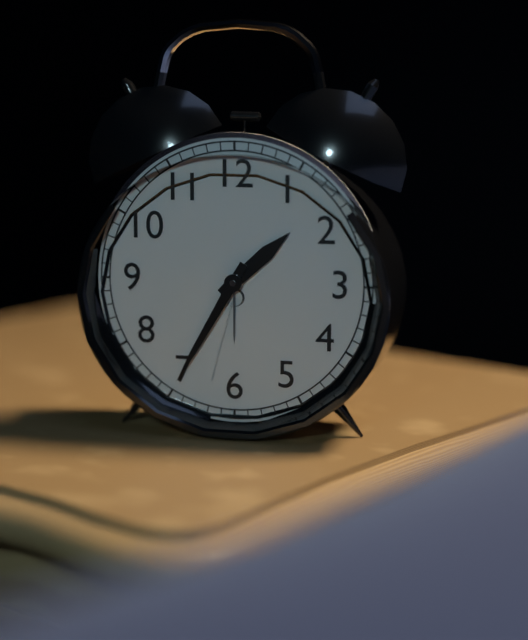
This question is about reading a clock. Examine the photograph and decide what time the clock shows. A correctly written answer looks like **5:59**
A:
**1:35**
